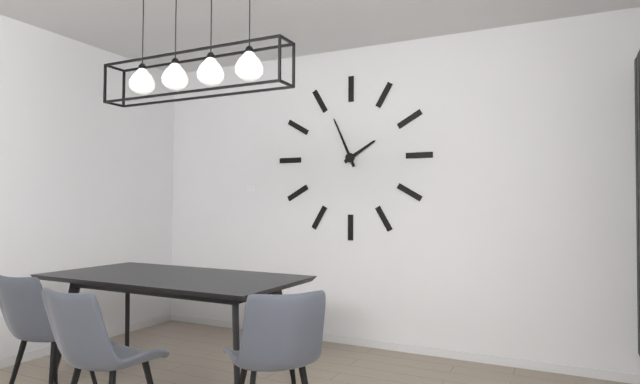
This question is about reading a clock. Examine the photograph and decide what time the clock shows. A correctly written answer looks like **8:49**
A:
**1:56**
